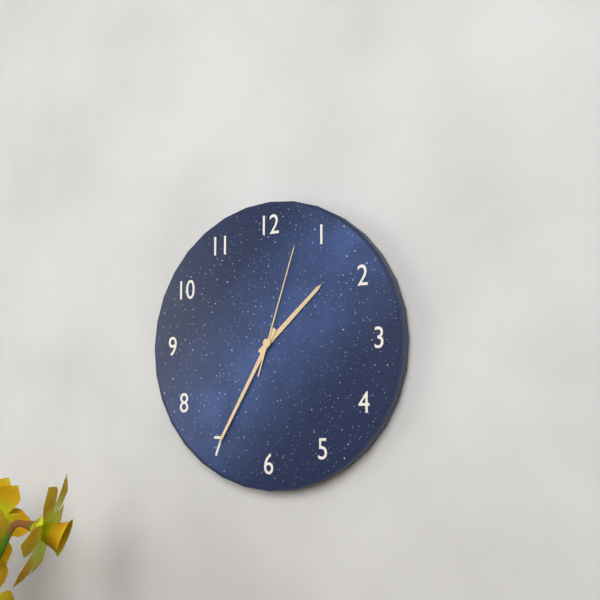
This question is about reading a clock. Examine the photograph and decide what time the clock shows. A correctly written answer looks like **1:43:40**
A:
**1:35:03**
